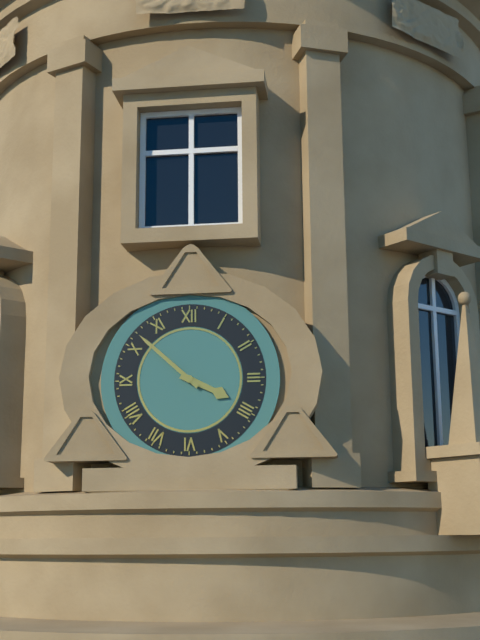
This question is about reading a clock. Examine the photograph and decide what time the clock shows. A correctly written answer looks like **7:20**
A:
**3:52**
